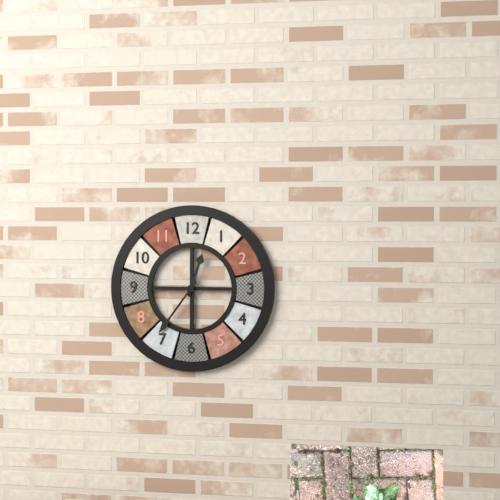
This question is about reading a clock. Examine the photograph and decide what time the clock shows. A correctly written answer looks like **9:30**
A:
**12:36**
